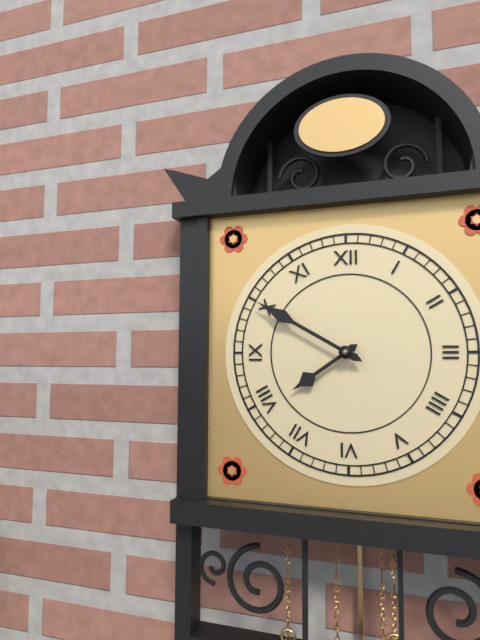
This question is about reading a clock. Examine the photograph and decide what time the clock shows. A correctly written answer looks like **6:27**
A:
**7:50**
